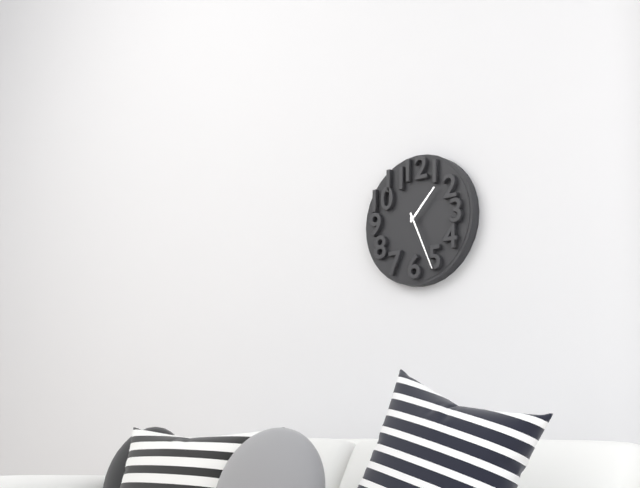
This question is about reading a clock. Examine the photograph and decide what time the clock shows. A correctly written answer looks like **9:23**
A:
**1:26**
